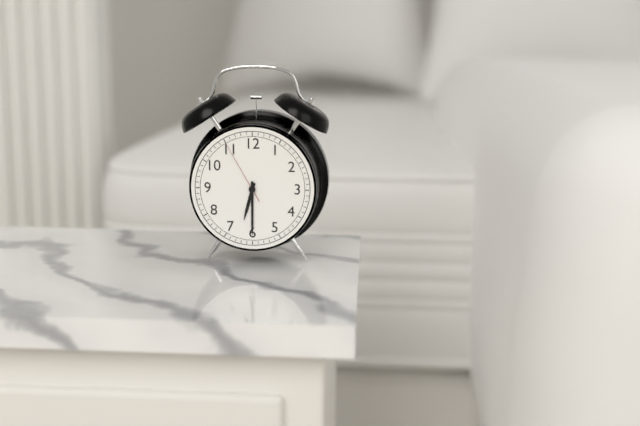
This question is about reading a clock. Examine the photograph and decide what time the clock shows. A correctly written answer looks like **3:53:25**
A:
**6:30:55**
